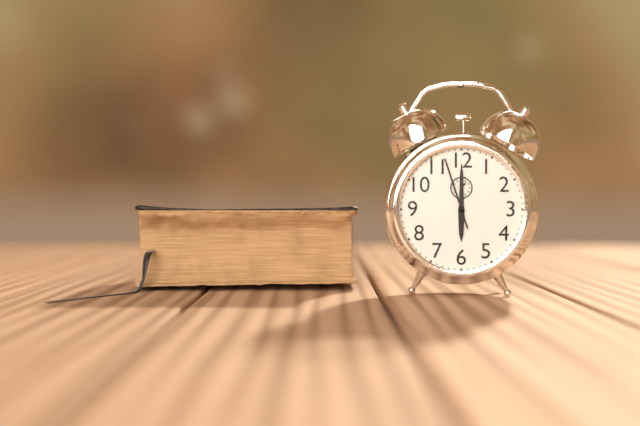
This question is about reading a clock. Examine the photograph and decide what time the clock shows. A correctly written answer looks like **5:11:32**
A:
**6:00:57**
